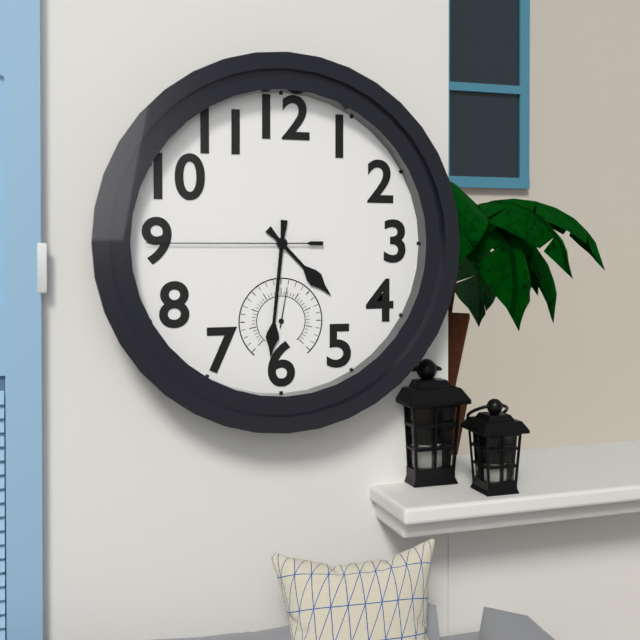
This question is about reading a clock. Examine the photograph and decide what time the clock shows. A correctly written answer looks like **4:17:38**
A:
**4:31:45**
